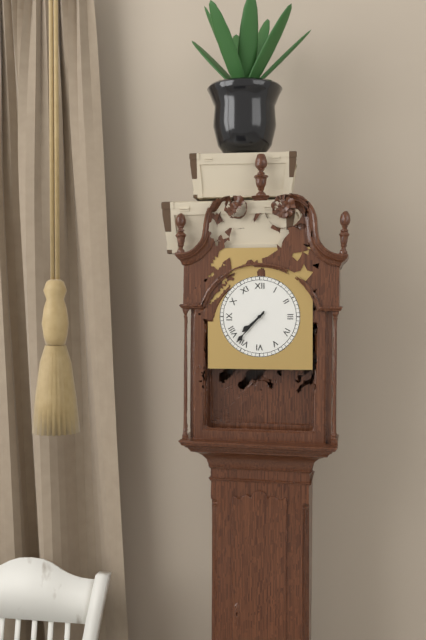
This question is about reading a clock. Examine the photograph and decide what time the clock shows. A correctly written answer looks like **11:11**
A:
**7:37**
